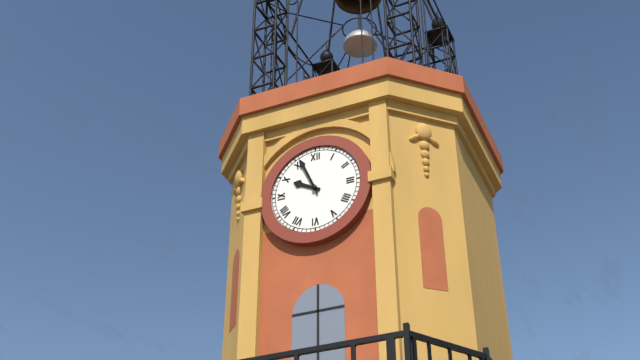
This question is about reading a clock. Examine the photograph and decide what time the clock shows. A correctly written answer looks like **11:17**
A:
**9:56**
